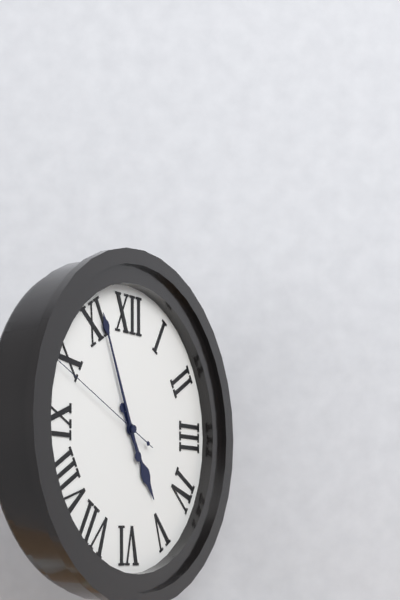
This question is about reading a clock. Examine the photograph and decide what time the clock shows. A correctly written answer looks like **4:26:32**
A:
**4:56:49**
